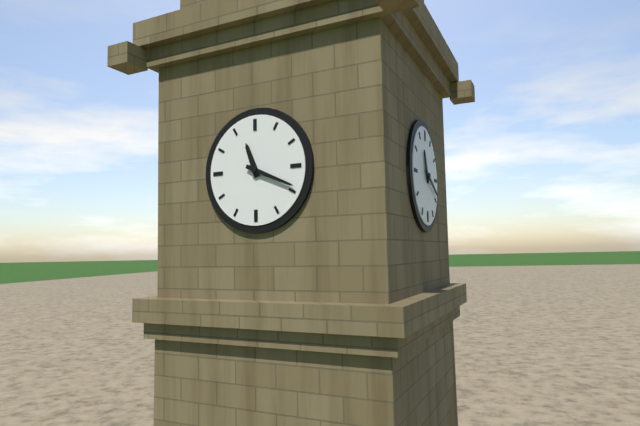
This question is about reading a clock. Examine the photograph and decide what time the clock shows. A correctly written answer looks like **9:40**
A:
**11:19**
